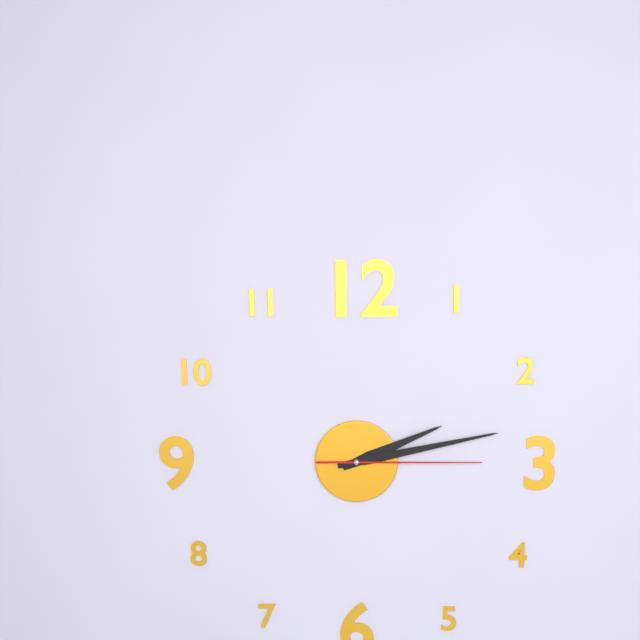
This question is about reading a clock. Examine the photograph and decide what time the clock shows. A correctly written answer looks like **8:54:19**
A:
**2:13:15**
